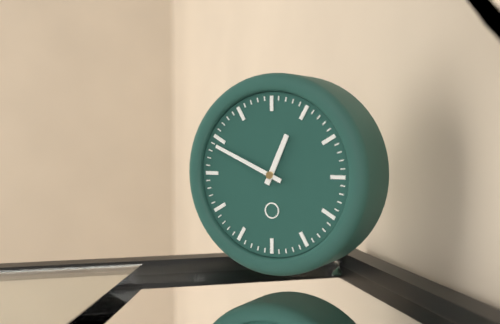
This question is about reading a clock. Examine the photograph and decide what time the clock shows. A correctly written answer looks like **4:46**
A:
**12:49**
